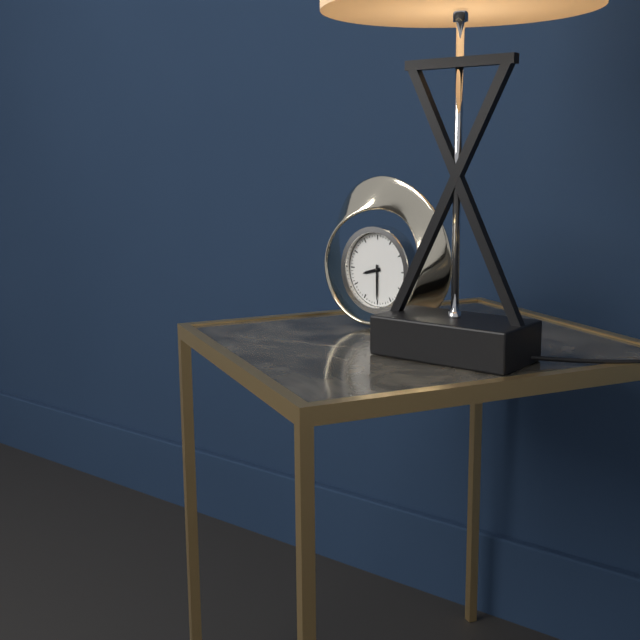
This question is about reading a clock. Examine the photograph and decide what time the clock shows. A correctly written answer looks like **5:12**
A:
**8:30**
